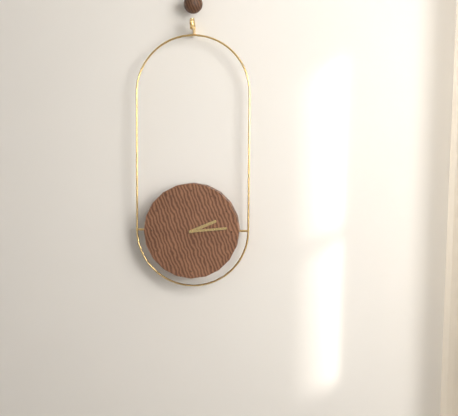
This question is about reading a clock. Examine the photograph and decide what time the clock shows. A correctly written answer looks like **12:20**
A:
**2:14**
